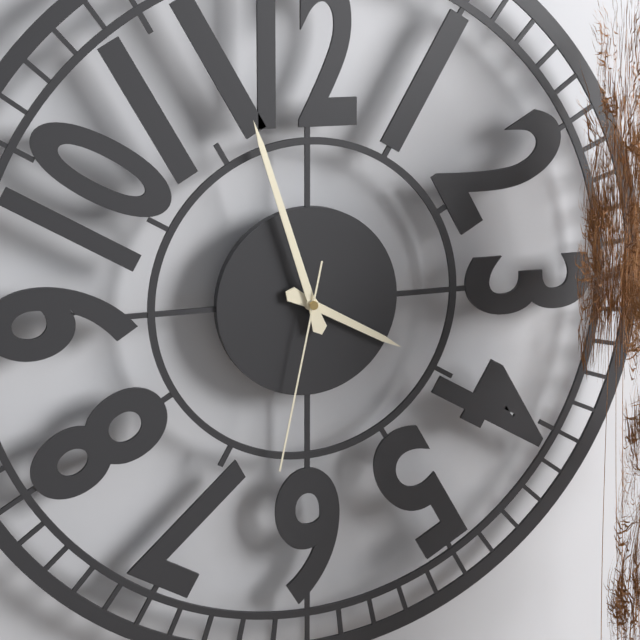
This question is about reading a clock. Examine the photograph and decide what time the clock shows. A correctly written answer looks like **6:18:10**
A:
**3:57:32**
